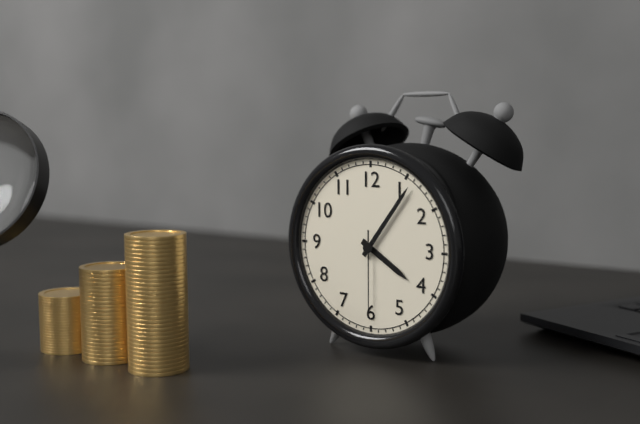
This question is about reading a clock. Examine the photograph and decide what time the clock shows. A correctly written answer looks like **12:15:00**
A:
**4:06:30**
